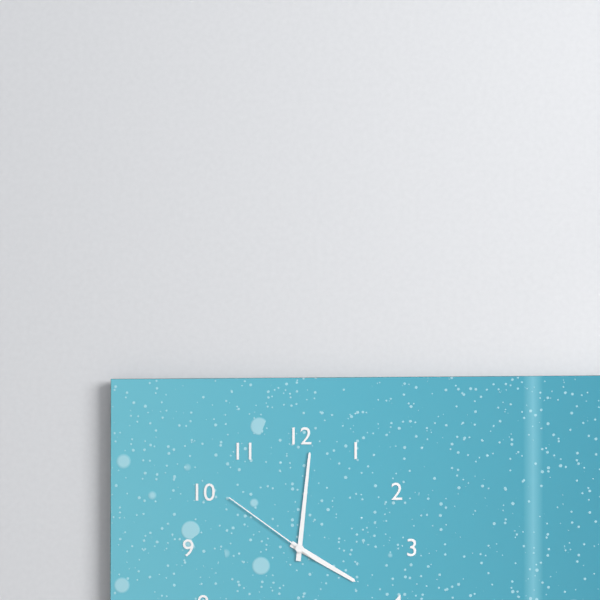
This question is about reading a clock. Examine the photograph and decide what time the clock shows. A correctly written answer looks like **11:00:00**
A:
**4:01:51**
